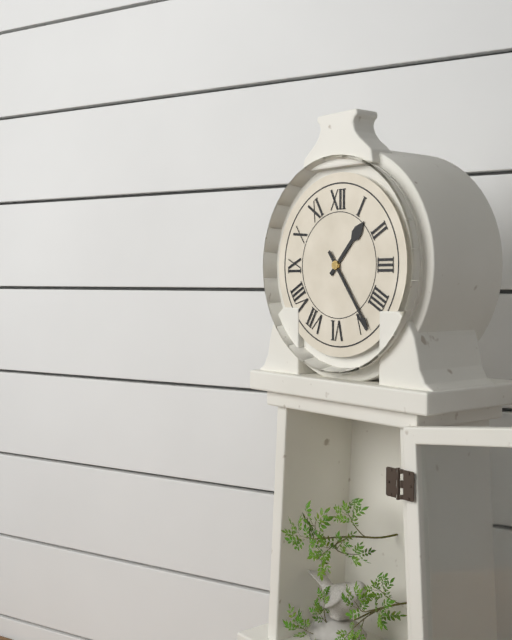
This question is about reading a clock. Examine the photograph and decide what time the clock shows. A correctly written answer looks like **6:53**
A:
**1:24**
